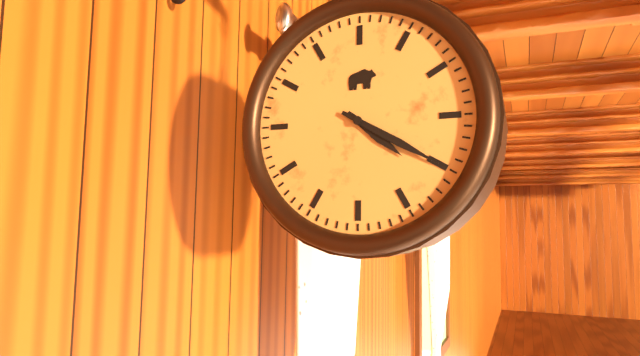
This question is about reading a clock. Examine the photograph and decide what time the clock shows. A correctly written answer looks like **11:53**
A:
**4:20**
